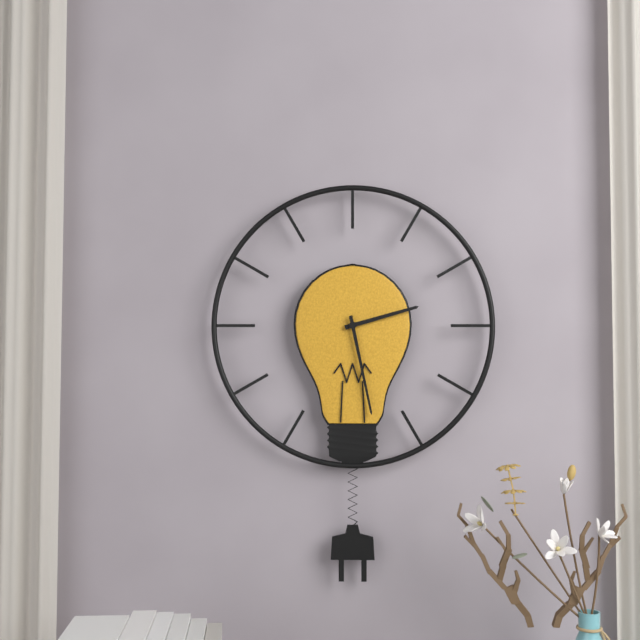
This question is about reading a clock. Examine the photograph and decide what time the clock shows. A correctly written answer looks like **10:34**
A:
**2:28**
